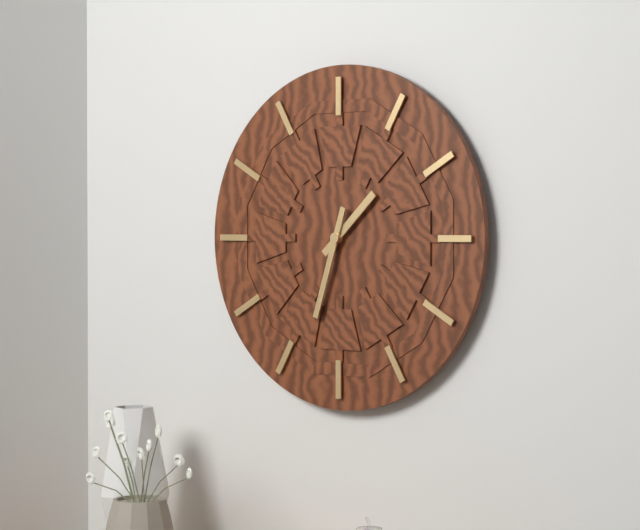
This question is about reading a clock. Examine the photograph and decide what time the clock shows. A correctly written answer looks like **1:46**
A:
**1:33**
